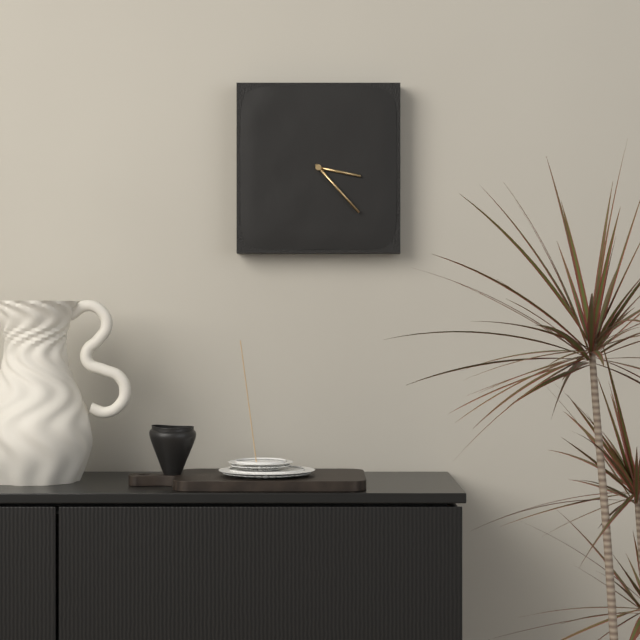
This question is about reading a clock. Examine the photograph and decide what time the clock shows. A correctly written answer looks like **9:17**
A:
**3:23**
